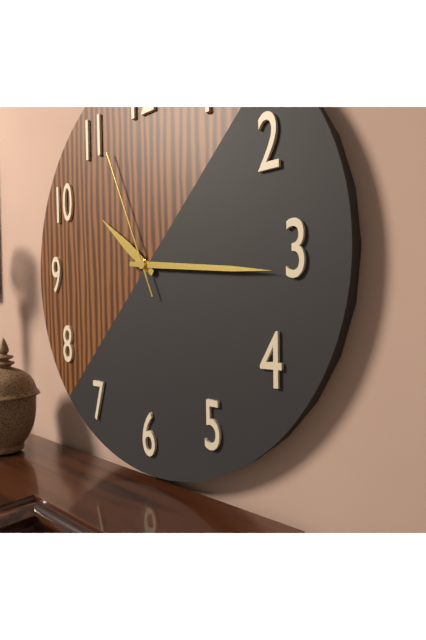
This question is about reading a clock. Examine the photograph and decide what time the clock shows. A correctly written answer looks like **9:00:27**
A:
**10:16:56**
